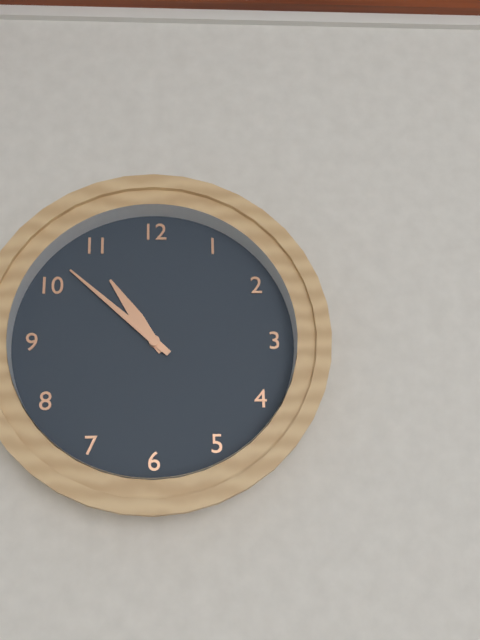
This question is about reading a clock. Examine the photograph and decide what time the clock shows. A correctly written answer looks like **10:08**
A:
**10:52**
